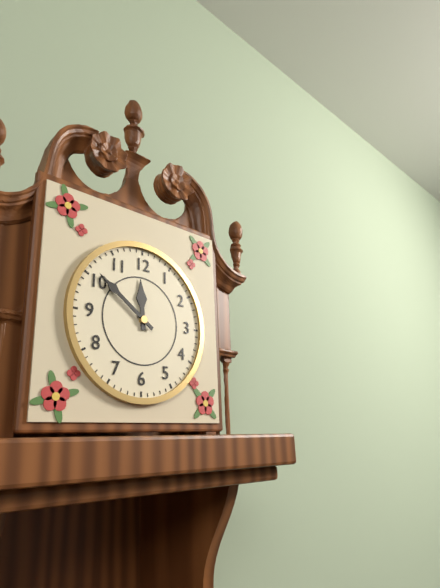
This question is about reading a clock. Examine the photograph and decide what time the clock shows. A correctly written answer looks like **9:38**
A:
**11:51**
